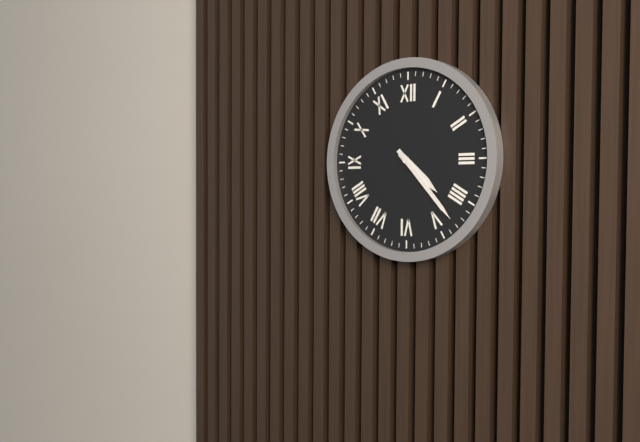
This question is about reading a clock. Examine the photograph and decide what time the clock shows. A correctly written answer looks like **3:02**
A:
**4:23**
